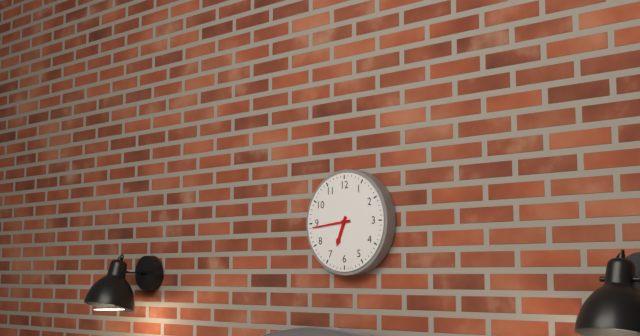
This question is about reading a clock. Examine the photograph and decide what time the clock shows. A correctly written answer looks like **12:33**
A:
**6:44**
